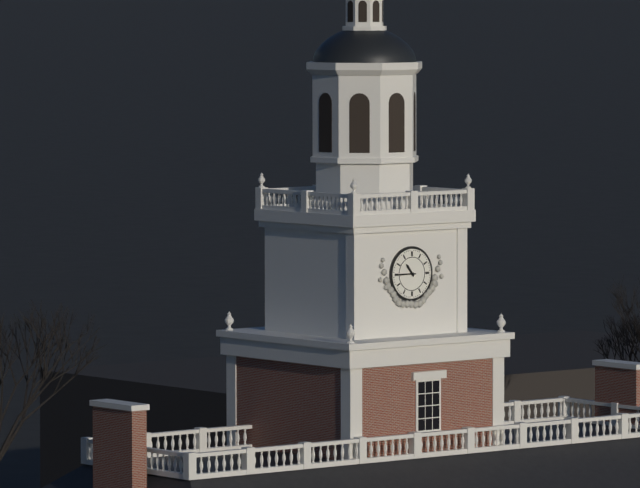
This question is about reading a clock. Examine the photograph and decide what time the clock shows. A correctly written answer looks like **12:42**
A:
**10:45**
